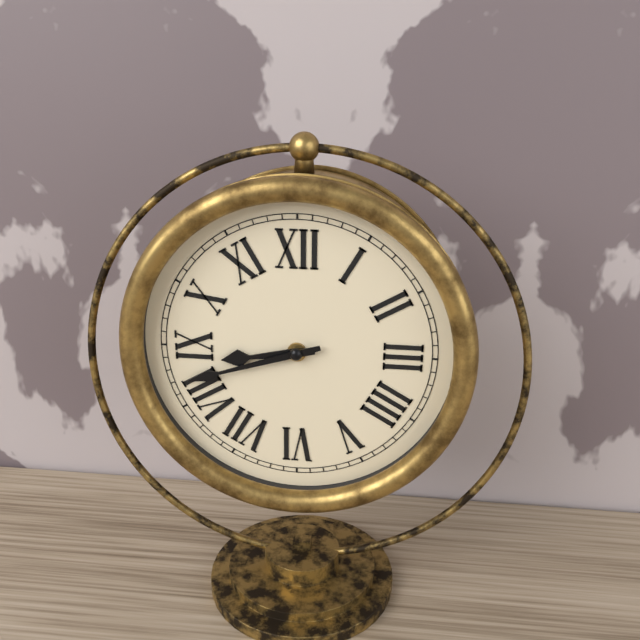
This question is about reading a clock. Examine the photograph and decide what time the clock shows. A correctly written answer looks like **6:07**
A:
**8:42**
